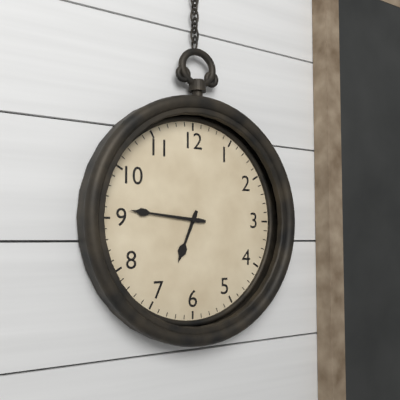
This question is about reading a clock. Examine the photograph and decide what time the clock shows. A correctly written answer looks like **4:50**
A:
**6:46**
